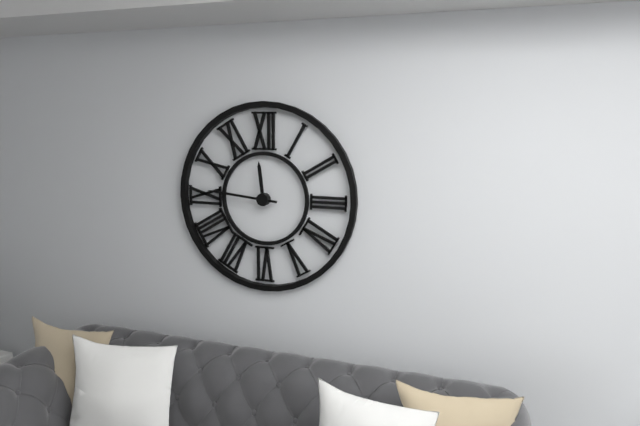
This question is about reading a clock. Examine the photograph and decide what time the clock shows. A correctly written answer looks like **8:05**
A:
**11:46**
